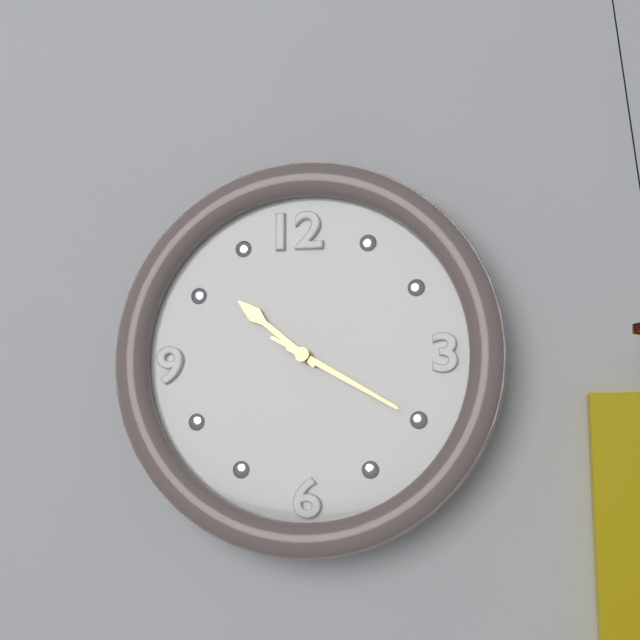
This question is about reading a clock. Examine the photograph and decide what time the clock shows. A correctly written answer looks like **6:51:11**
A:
**10:20:20**
